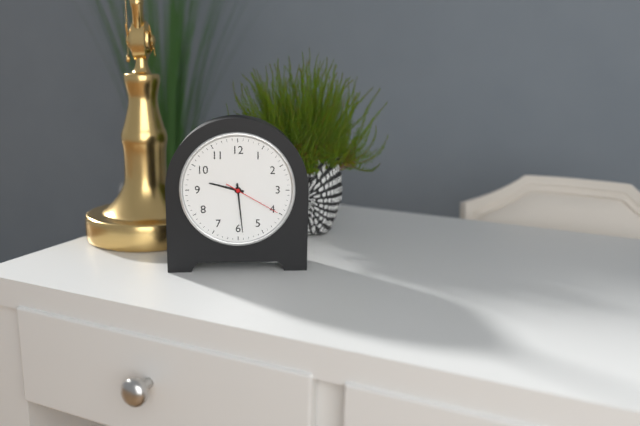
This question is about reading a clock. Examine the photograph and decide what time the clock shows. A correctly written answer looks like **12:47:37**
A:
**9:29:20**
